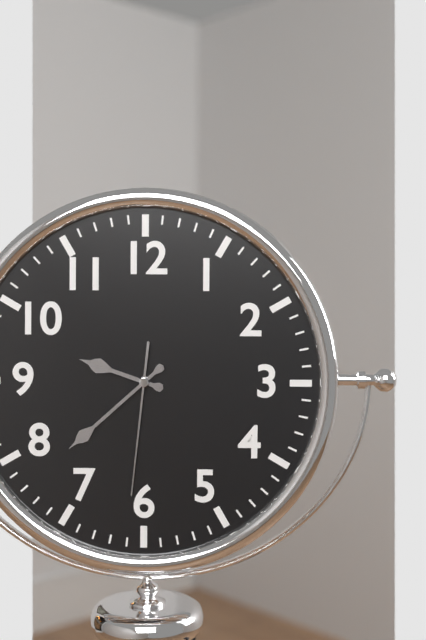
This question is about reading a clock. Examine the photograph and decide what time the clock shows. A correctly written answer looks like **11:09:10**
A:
**9:38:31**
